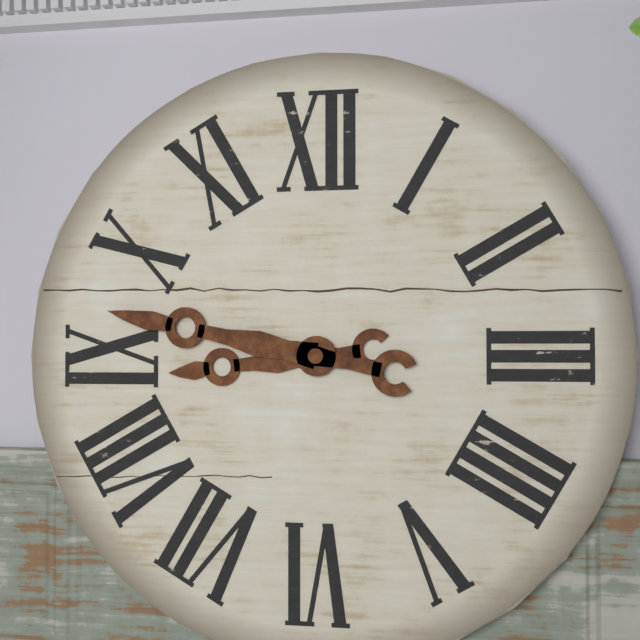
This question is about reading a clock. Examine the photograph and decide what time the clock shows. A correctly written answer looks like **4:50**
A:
**8:47**
